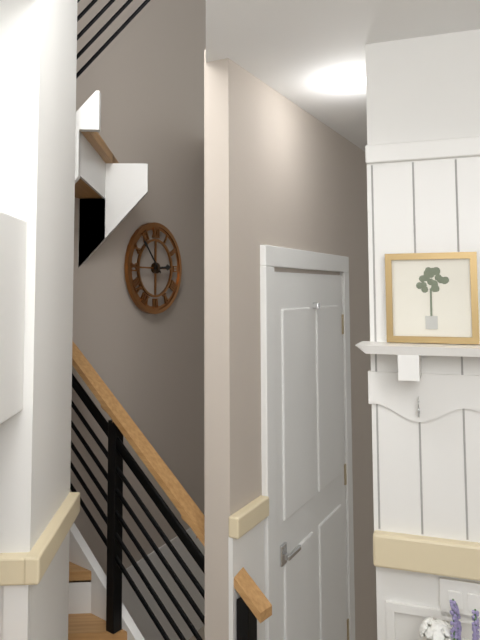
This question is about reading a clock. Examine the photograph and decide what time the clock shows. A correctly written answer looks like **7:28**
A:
**2:53**
